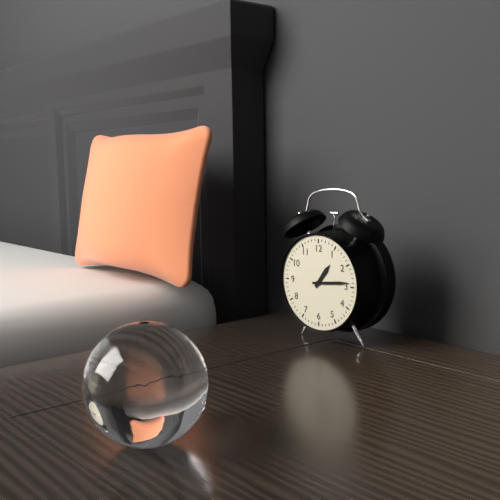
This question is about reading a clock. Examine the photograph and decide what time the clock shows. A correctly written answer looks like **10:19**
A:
**1:14**
